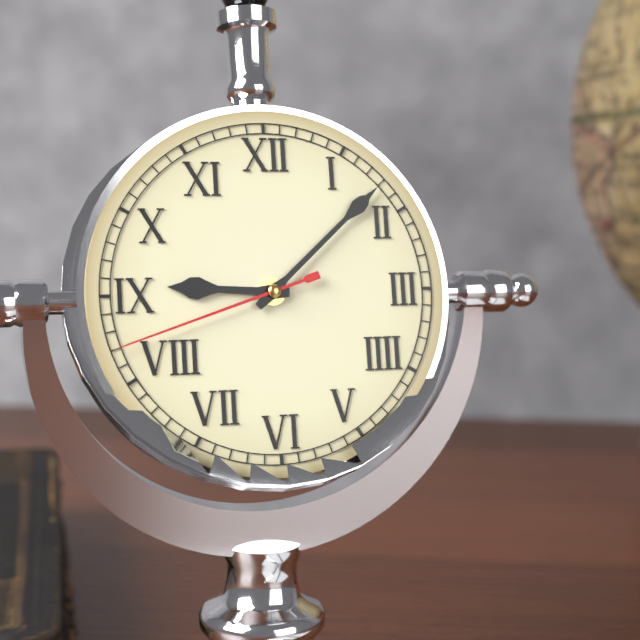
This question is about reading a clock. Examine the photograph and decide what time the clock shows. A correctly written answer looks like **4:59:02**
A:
**9:08:42**
